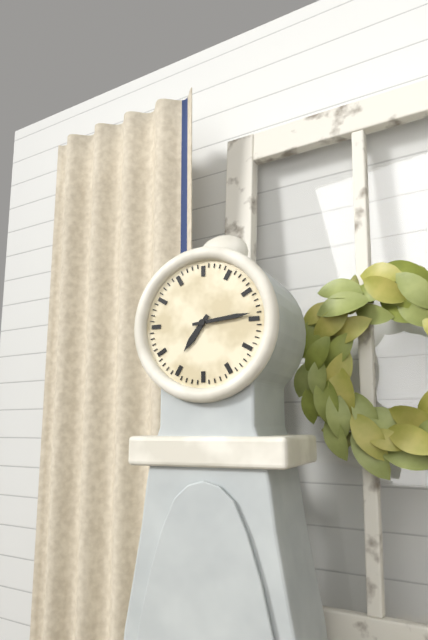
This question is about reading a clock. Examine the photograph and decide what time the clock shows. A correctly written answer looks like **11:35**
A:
**7:14**
